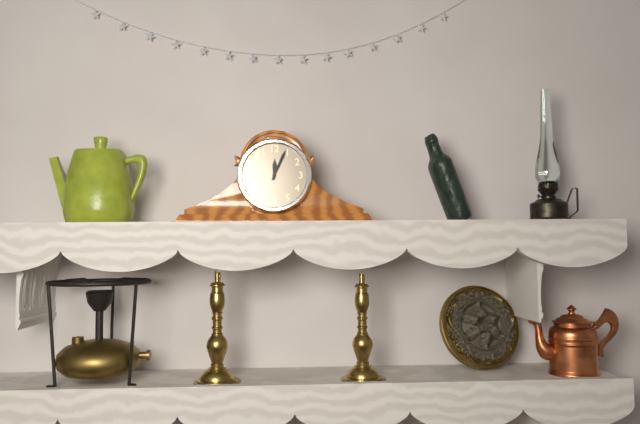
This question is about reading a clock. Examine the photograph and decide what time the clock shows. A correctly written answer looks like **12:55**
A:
**12:04**
